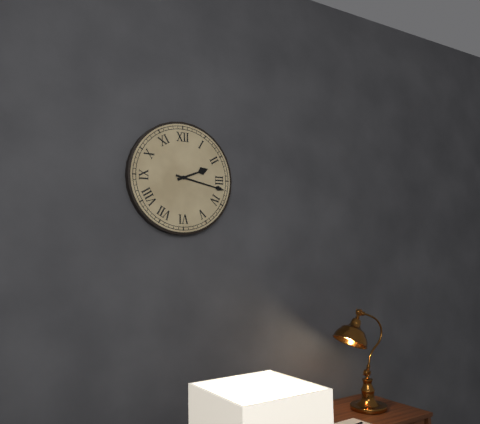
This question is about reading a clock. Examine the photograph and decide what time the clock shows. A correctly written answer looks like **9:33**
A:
**2:17**
